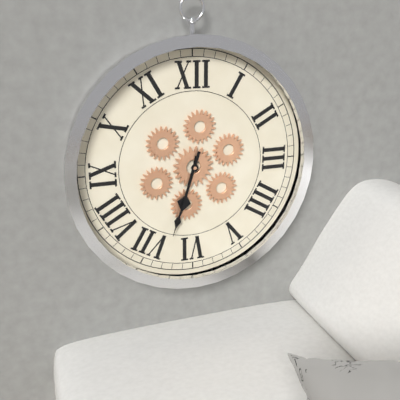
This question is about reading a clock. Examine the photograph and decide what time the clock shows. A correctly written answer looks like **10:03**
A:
**6:33**
